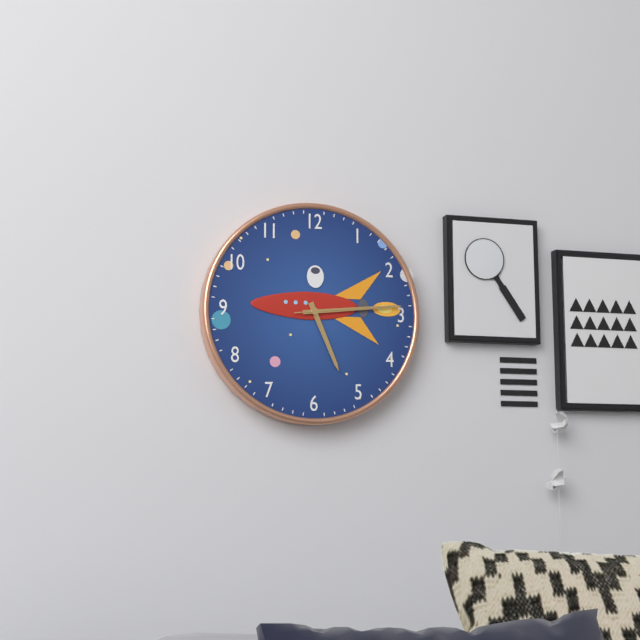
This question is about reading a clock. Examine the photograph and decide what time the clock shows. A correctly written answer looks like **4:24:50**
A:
**5:14:14**
